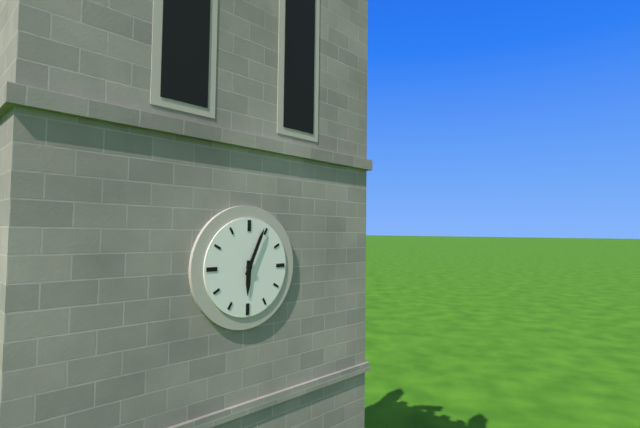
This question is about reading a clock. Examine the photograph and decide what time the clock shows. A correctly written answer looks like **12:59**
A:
**6:04**
